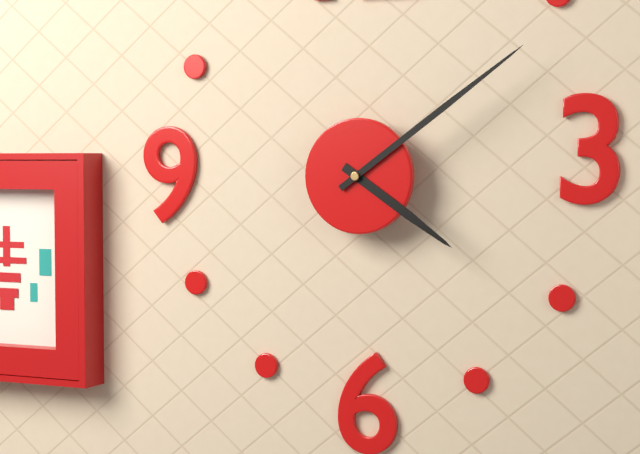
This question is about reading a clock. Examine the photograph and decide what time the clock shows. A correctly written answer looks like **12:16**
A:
**4:09**
